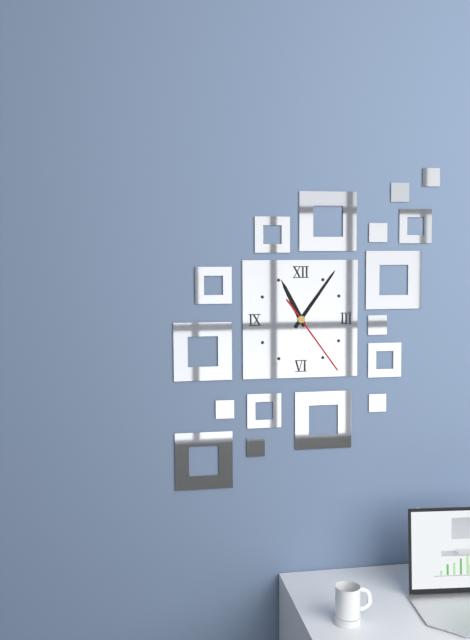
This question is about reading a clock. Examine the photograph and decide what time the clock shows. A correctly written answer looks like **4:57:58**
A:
**11:06:24**
